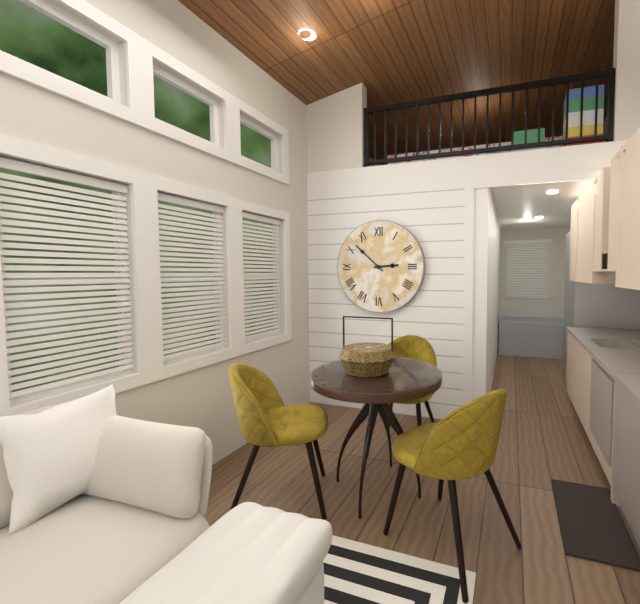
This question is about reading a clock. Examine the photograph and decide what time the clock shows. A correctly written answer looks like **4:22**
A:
**2:52**
